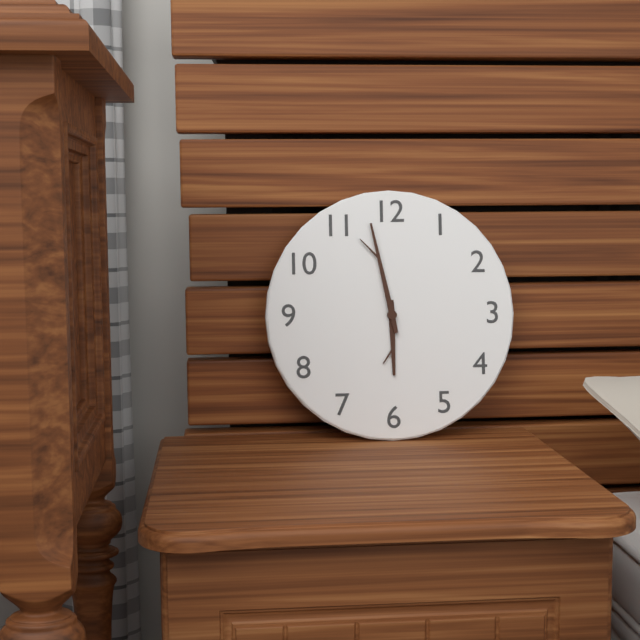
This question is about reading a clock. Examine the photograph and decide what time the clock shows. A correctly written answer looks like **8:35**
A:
**5:58**
